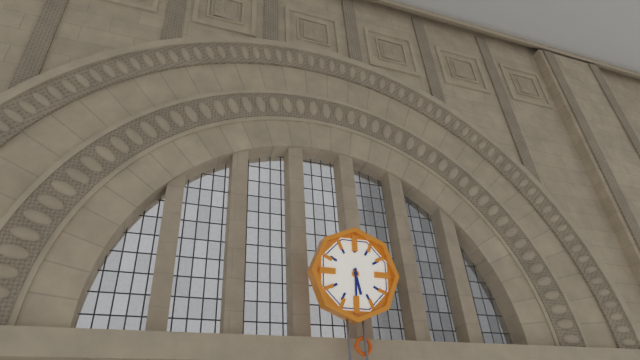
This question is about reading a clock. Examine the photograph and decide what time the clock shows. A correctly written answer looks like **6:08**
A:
**5:30**
